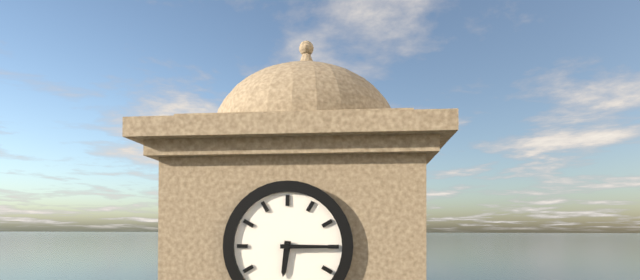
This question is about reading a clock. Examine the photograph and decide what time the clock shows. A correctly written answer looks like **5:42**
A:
**6:15**
